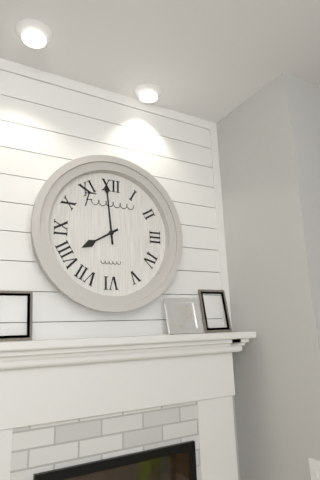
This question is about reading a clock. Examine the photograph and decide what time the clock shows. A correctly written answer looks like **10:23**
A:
**7:59**
